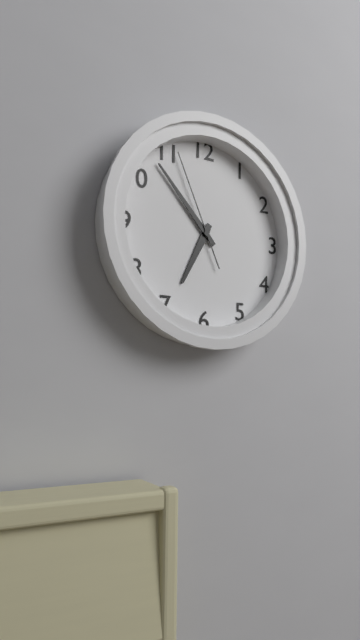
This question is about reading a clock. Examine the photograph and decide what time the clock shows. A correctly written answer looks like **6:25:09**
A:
**6:53:56**
